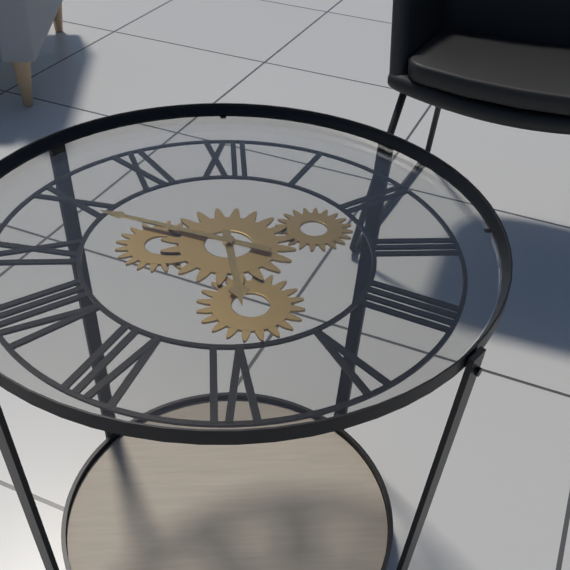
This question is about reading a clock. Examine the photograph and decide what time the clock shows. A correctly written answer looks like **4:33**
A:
**5:49**
